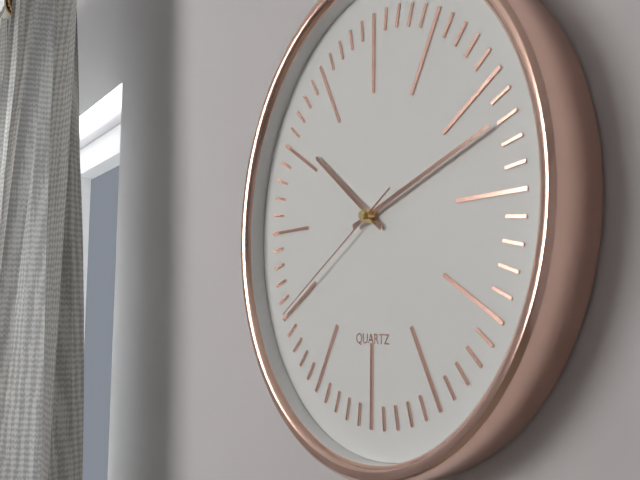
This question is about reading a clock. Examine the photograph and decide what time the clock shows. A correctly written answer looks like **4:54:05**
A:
**10:12:40**
